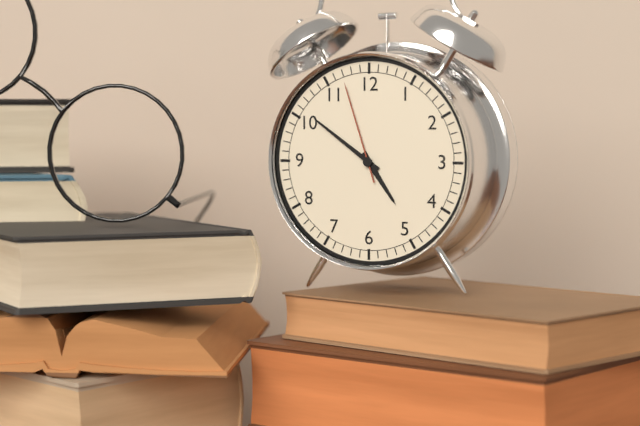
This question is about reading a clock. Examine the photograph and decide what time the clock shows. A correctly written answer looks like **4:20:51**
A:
**4:51:57**
